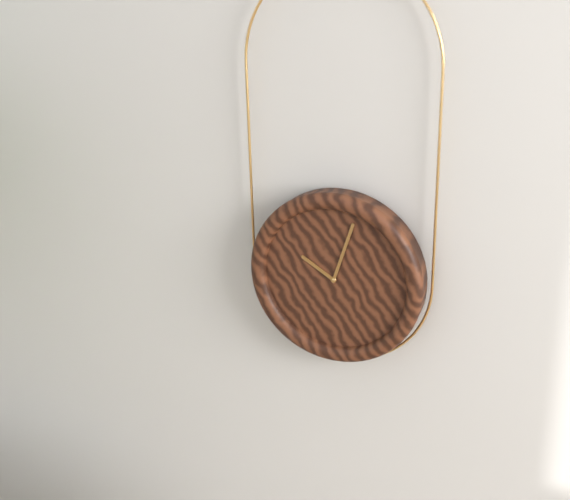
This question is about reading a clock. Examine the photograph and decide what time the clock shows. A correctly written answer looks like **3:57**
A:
**10:03**
